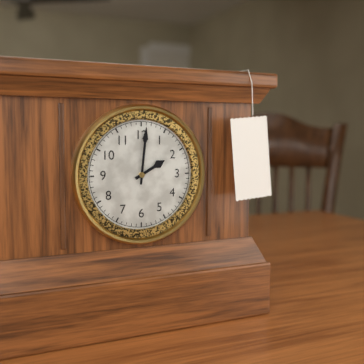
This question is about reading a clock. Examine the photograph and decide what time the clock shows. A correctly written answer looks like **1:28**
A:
**2:01**
